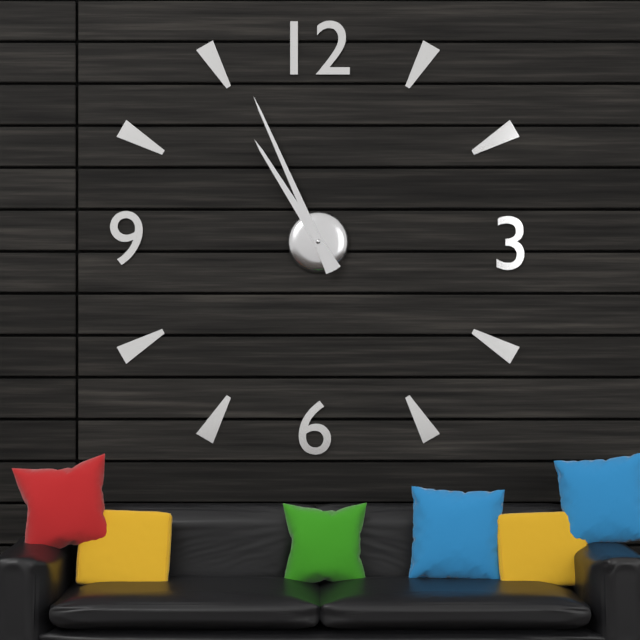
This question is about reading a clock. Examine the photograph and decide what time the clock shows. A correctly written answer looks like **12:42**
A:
**10:56**
